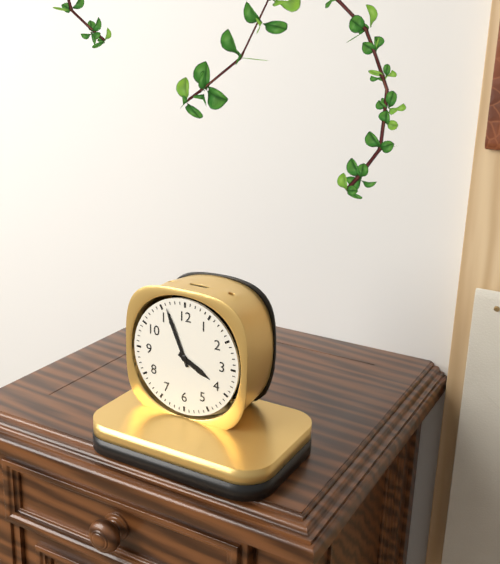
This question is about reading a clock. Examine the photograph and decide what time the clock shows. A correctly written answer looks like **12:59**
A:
**3:56**
